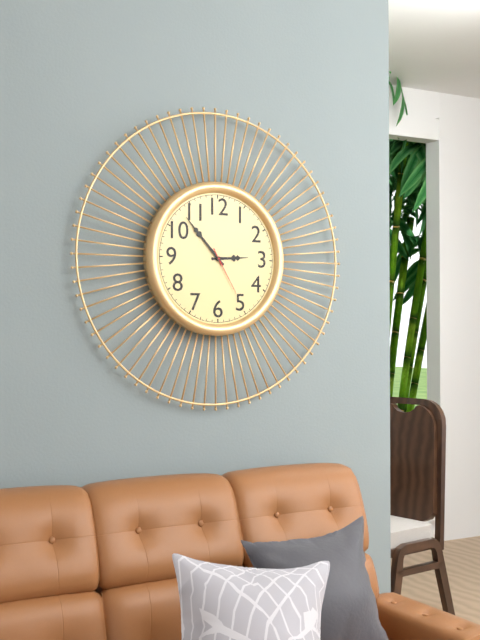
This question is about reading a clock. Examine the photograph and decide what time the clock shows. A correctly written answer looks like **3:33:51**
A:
**2:53:25**
